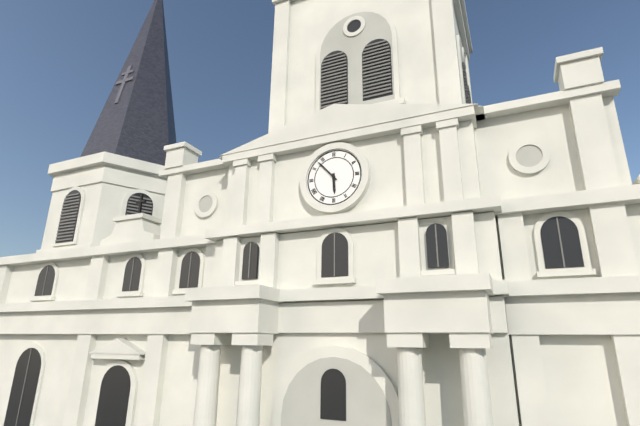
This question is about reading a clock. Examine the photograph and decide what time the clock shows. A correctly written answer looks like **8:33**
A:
**5:53**
